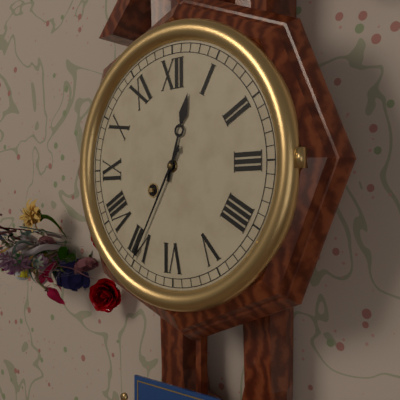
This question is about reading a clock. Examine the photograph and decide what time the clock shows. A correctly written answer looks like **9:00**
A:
**12:35**
